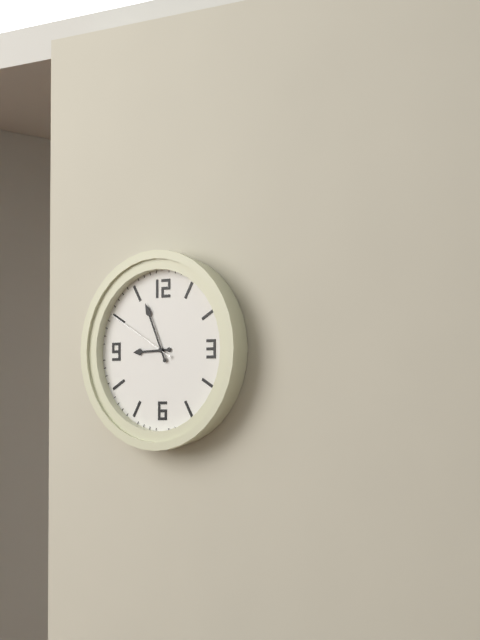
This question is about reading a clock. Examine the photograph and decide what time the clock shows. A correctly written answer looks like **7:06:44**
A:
**8:56:50**
